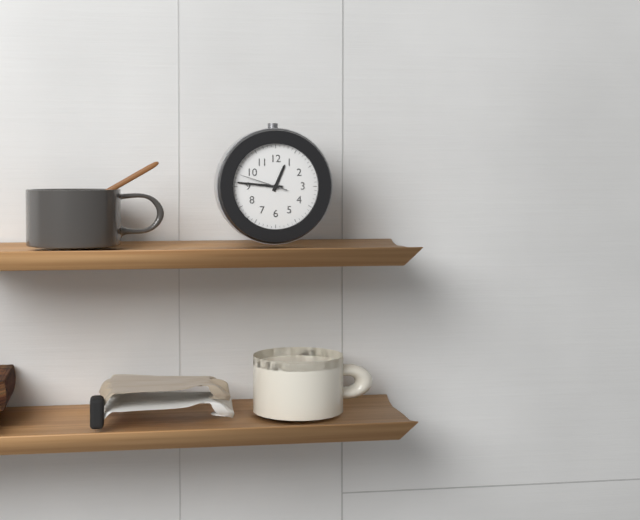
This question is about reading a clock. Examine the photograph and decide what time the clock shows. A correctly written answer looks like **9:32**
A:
**12:46**
